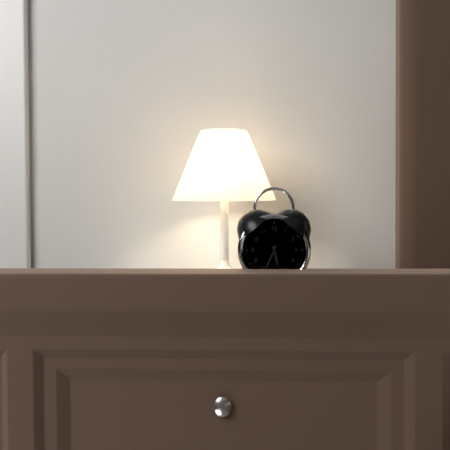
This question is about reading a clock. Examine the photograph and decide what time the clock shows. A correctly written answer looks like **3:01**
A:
**5:34**
